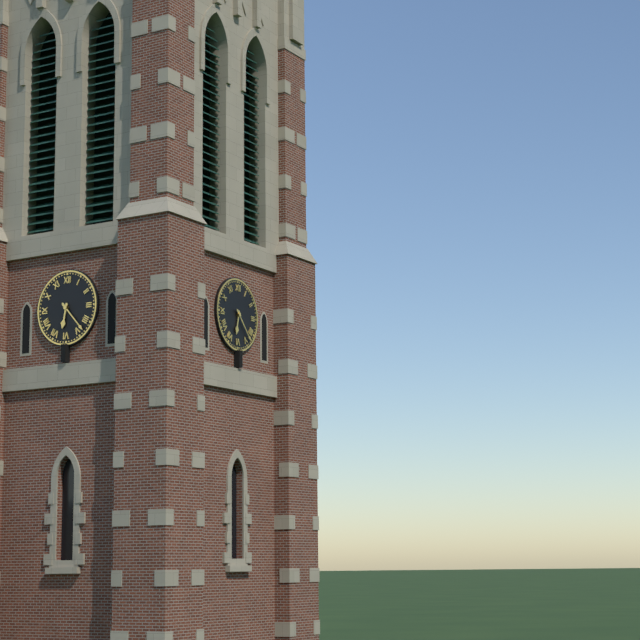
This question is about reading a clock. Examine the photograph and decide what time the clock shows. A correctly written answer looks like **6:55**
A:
**6:23**
